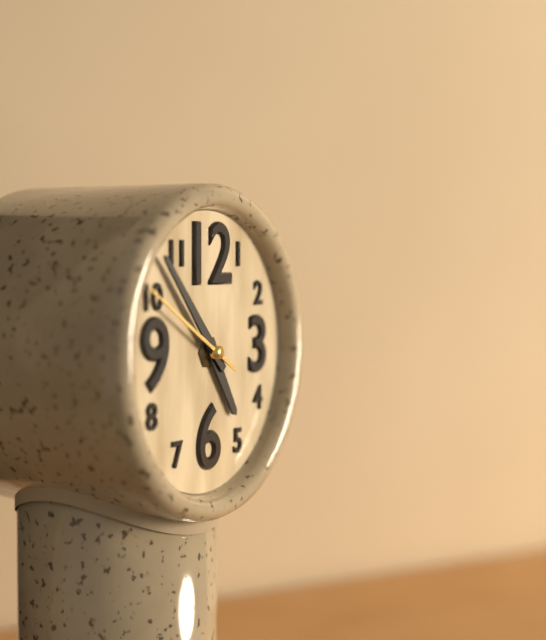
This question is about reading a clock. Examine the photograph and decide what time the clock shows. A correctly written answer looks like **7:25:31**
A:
**4:53:50**
